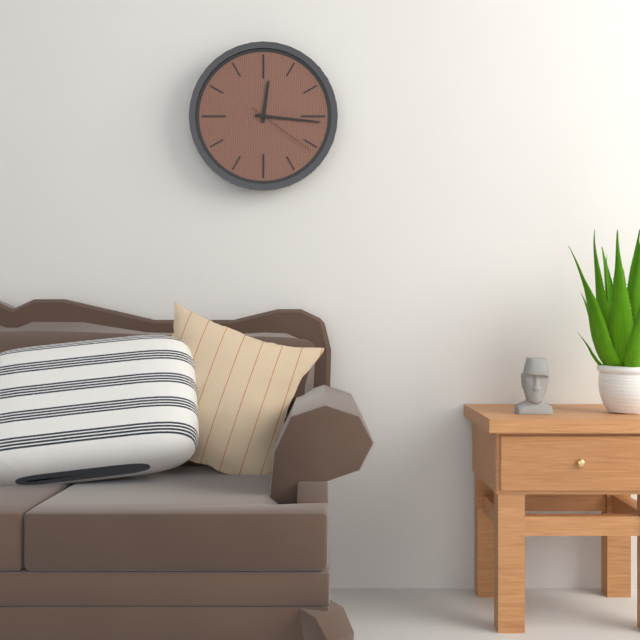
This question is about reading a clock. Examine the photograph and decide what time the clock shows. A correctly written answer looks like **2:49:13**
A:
**12:16:21**
